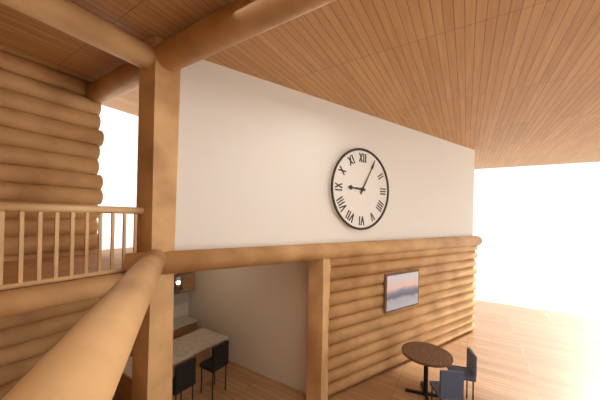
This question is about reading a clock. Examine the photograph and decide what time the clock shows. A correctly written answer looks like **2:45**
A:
**9:05**
